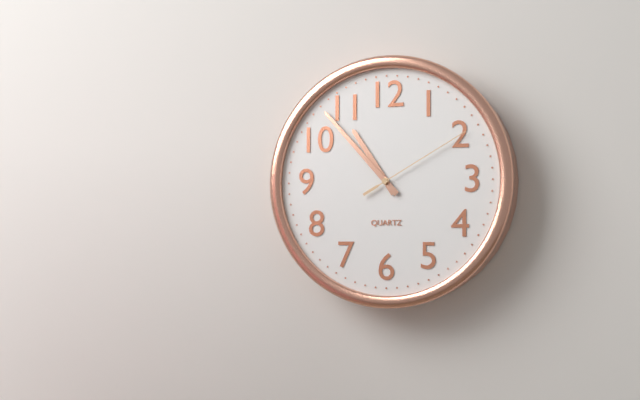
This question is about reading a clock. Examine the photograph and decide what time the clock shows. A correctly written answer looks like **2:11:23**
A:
**10:53:10**
